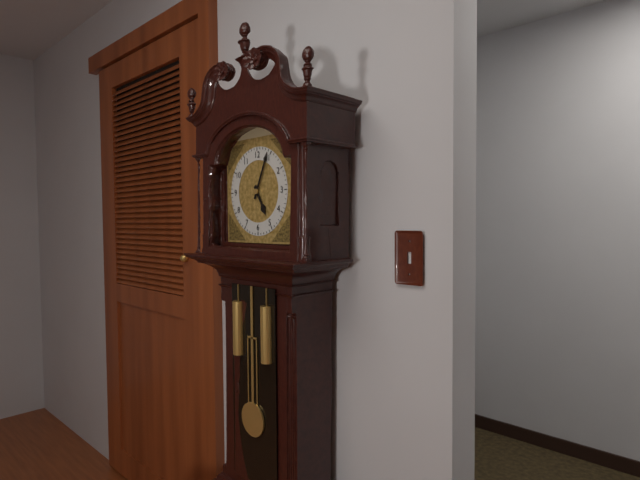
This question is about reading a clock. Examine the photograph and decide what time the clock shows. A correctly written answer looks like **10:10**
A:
**5:04**
